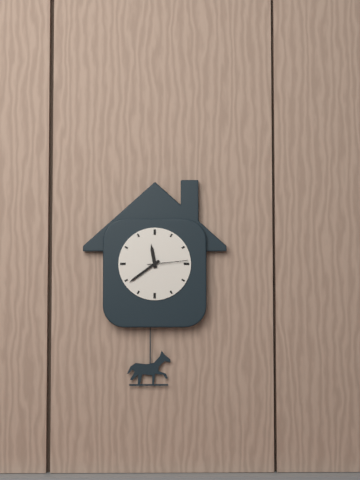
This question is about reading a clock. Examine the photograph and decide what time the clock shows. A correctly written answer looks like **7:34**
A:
**11:39**
